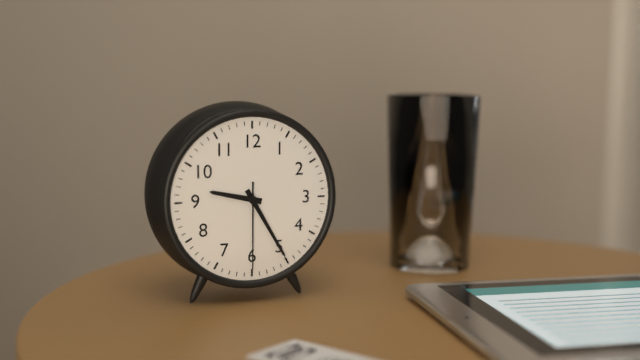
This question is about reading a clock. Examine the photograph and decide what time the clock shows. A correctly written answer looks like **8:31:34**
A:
**9:25:30**
